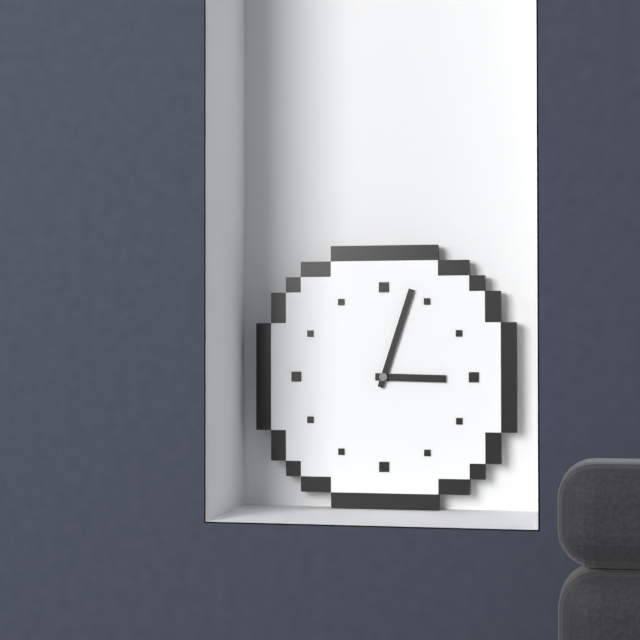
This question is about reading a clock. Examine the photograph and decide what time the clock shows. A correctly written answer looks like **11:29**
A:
**3:03**
